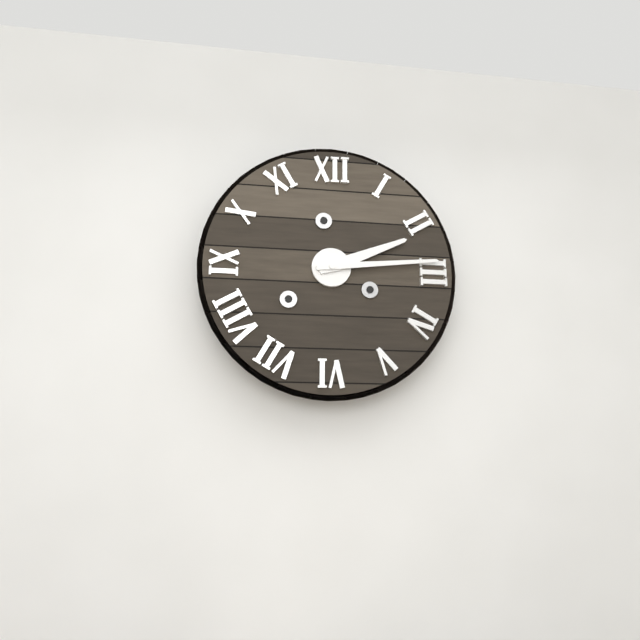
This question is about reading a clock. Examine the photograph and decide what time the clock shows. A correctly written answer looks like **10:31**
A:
**2:14**
